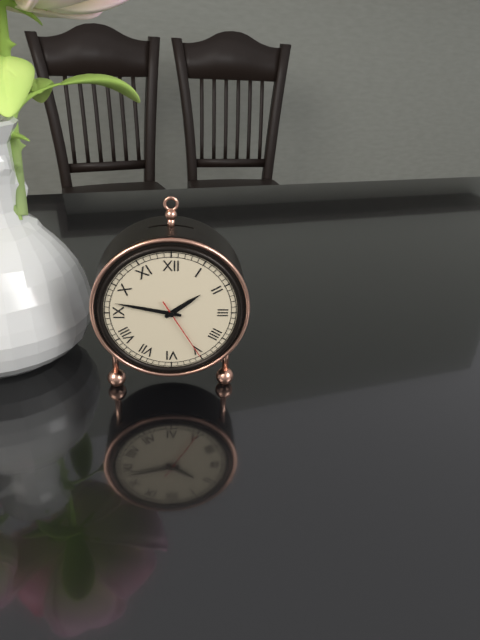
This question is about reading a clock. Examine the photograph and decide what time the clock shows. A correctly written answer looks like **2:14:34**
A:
**1:47:25**
